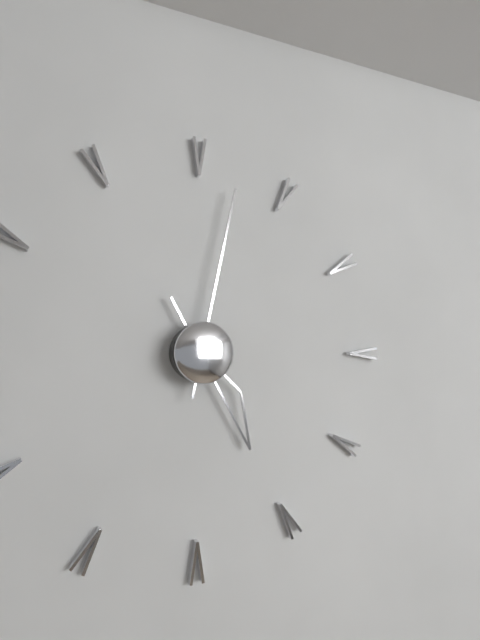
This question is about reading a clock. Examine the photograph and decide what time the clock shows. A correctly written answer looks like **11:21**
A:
**5:02**
